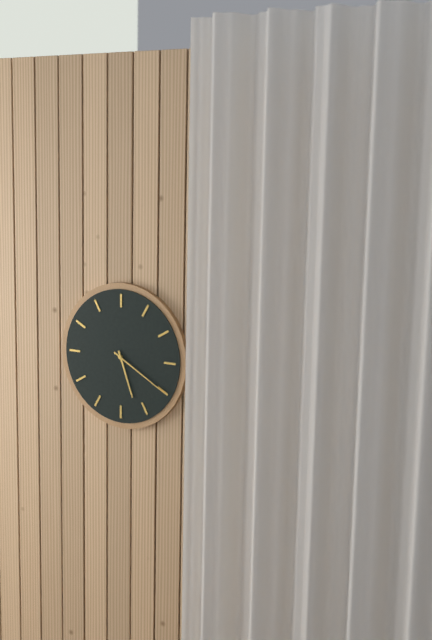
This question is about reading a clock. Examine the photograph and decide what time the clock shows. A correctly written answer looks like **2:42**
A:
**5:20**
